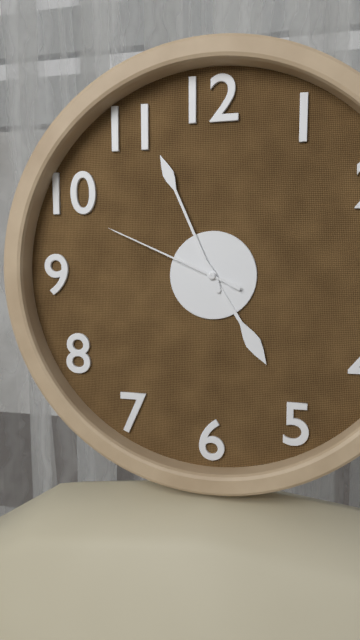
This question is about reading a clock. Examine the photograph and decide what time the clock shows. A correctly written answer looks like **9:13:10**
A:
**4:56:49**
